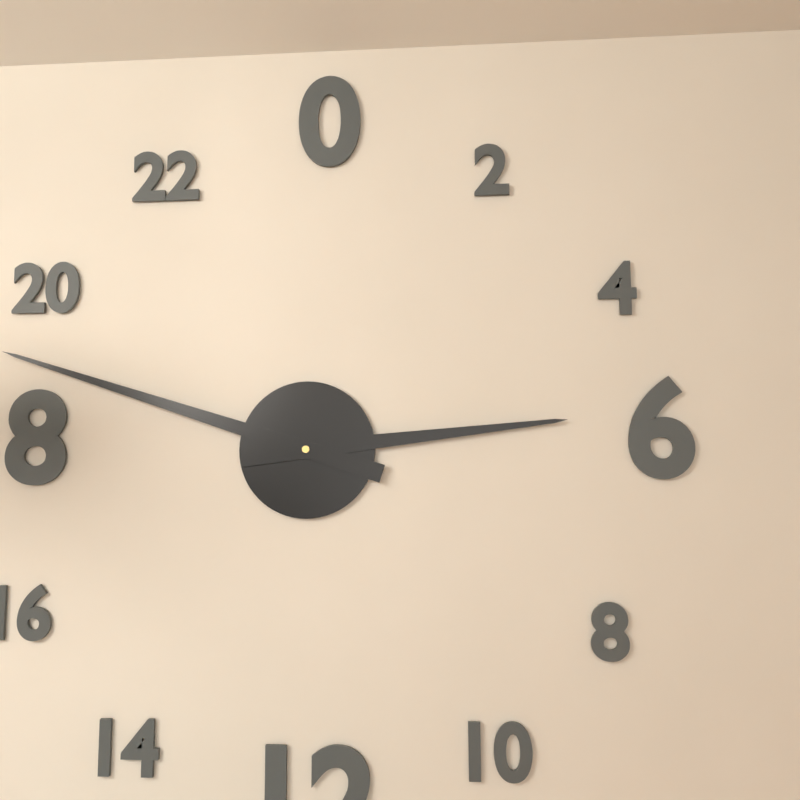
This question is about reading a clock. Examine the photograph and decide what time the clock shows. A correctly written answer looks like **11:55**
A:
**2:48**
